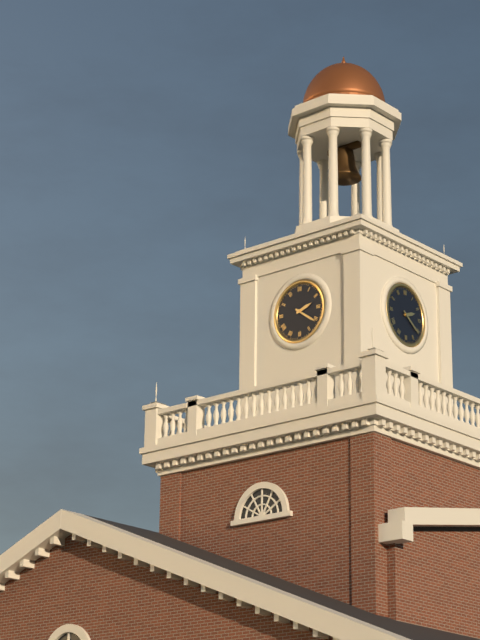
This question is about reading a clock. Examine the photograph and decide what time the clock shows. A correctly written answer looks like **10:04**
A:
**2:21**
